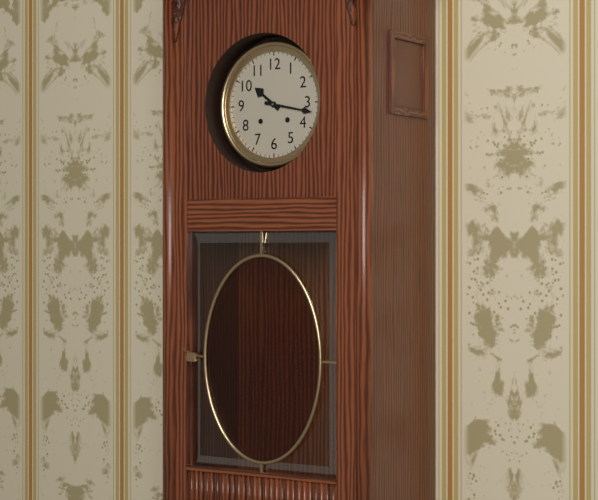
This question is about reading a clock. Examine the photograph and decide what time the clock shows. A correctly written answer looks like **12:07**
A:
**10:17**
